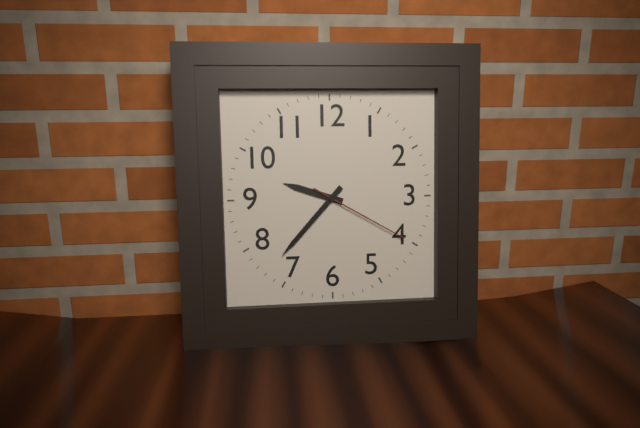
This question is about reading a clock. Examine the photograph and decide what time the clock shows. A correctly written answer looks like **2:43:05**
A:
**9:37:20**
